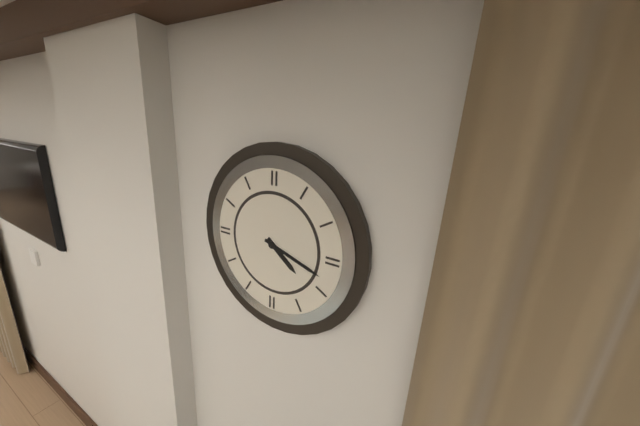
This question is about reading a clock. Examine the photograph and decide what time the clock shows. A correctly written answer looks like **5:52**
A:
**4:18**
